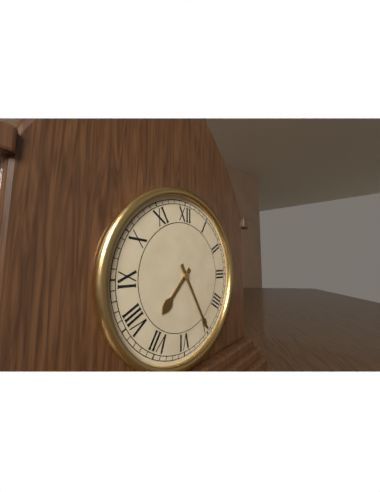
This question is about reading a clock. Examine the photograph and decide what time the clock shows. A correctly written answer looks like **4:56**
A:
**7:25**
